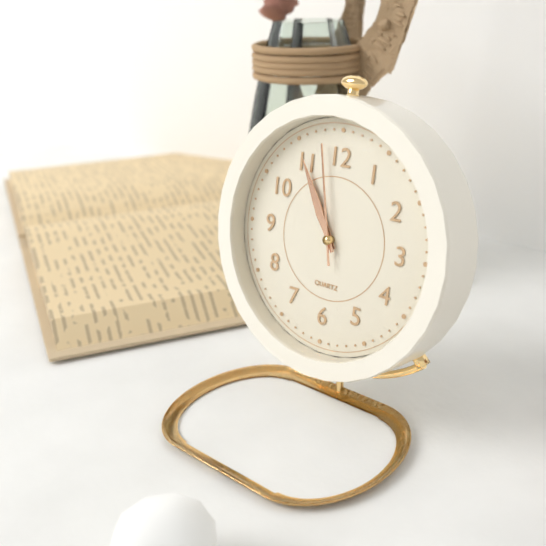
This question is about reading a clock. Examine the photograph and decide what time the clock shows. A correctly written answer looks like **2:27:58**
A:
**10:55:58**
